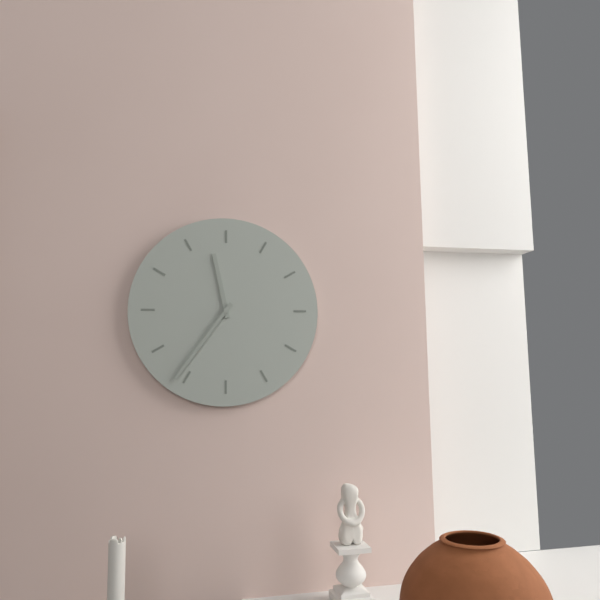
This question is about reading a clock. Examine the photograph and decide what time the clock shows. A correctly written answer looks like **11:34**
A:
**11:36**
